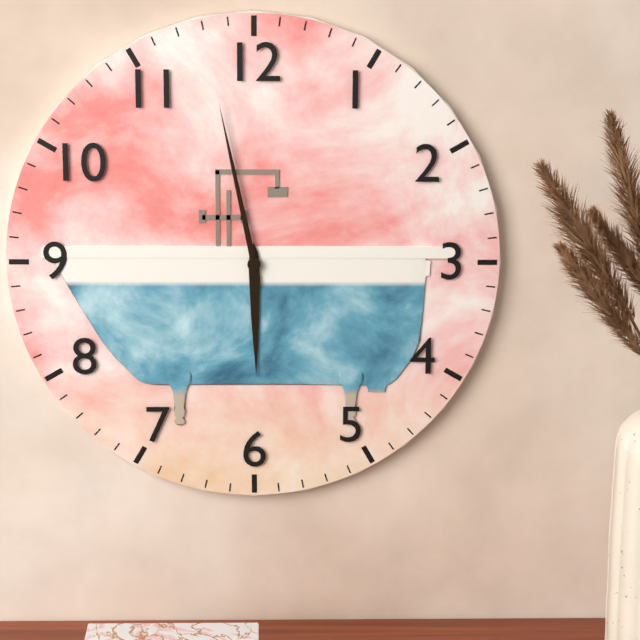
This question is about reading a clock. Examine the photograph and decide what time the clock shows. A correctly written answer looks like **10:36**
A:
**5:58**
